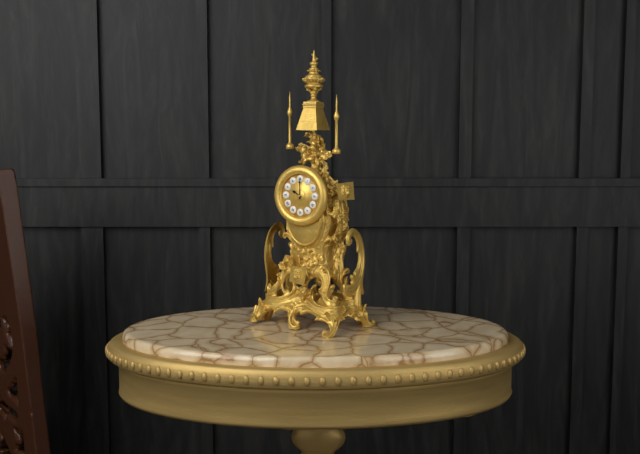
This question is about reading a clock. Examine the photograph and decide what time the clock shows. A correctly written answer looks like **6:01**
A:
**10:00**
